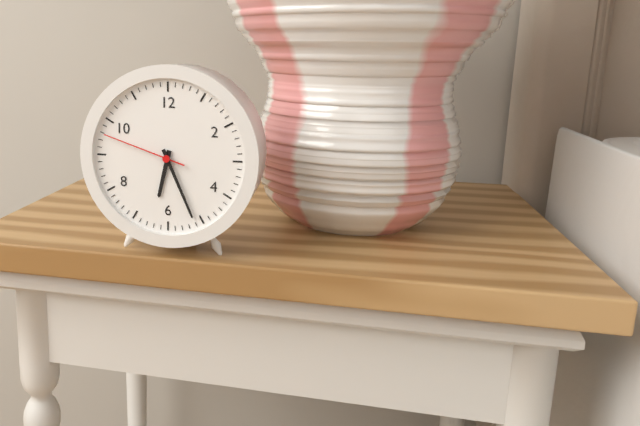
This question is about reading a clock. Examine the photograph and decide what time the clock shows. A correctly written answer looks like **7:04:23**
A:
**6:26:48**
